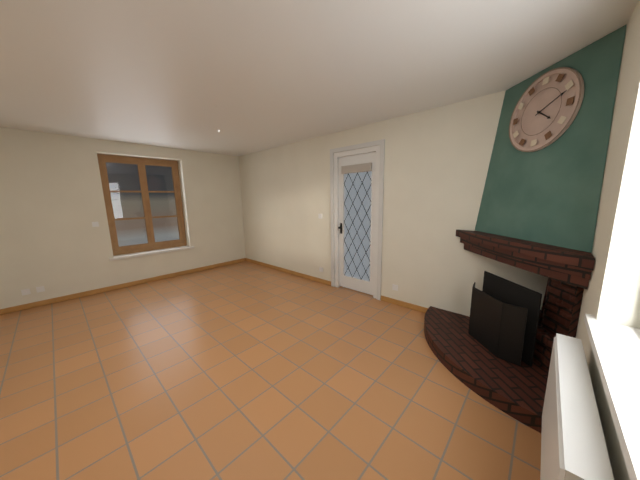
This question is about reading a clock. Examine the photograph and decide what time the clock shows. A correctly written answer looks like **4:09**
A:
**4:11**
